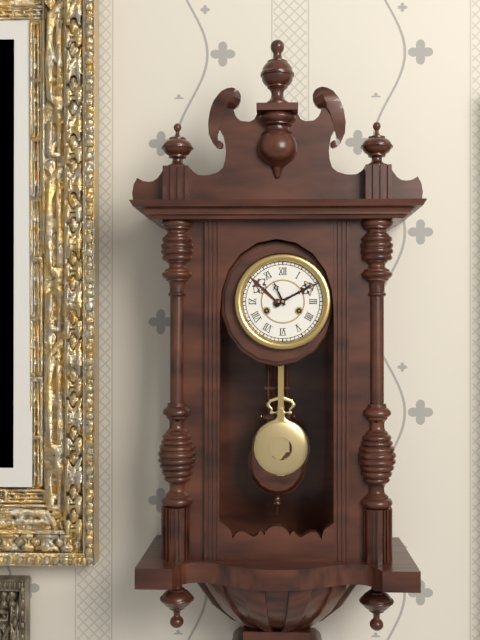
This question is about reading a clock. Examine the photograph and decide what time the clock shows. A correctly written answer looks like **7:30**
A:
**11:10**
